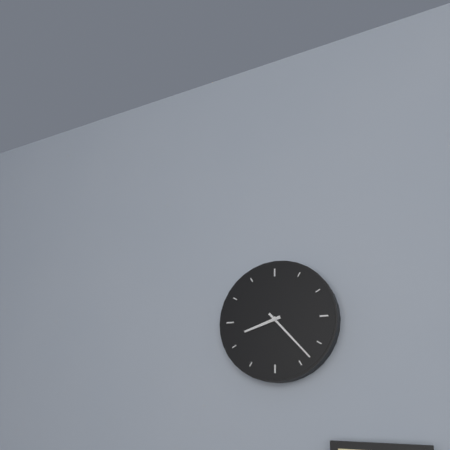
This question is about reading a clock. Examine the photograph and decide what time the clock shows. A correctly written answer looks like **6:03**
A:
**8:23**
